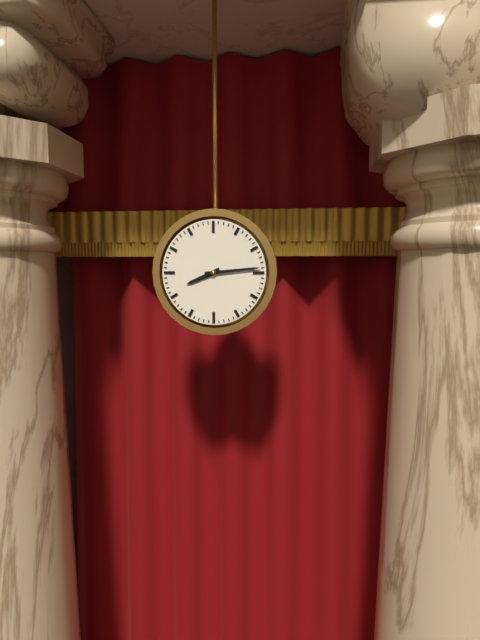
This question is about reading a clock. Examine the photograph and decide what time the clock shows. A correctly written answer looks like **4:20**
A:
**8:14**
